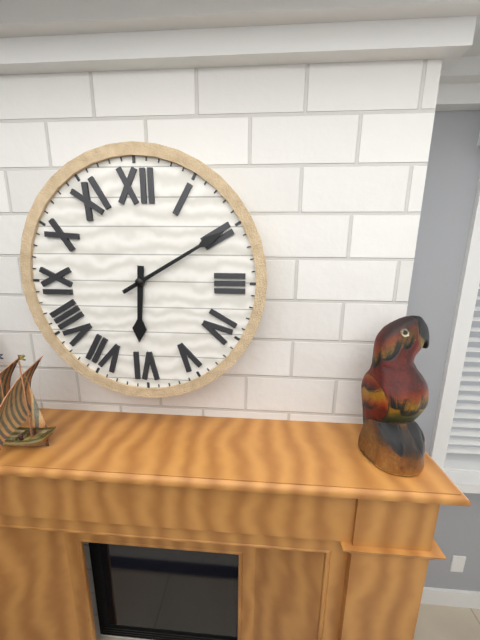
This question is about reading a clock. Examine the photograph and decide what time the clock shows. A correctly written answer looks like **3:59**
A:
**6:10**
